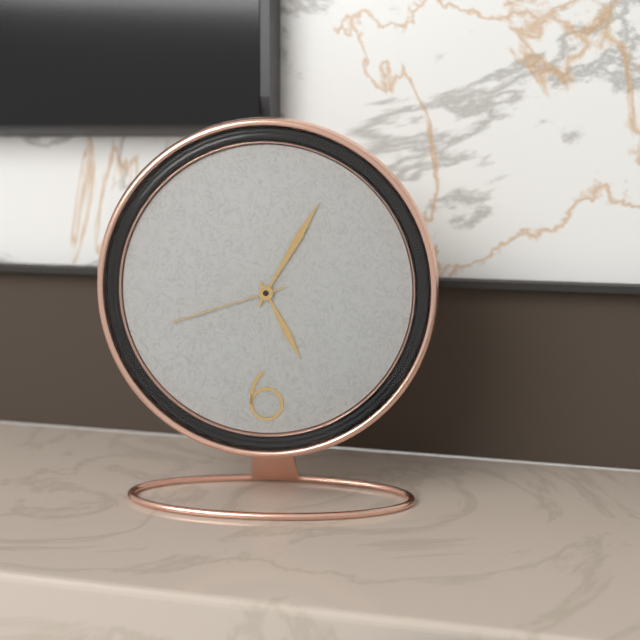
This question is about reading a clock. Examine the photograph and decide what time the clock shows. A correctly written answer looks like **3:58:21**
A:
**5:05:42**
